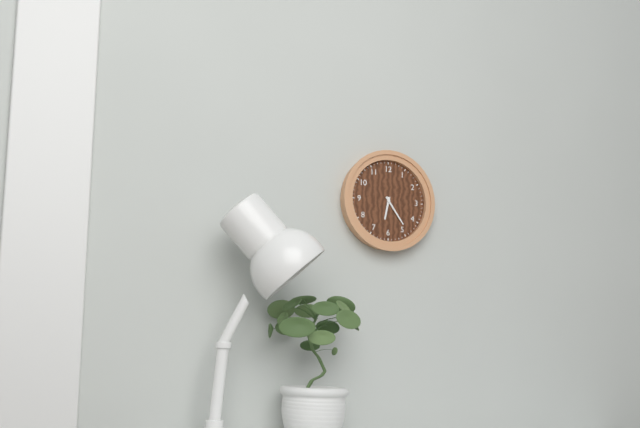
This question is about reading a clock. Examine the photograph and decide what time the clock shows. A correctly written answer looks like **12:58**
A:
**6:24**
